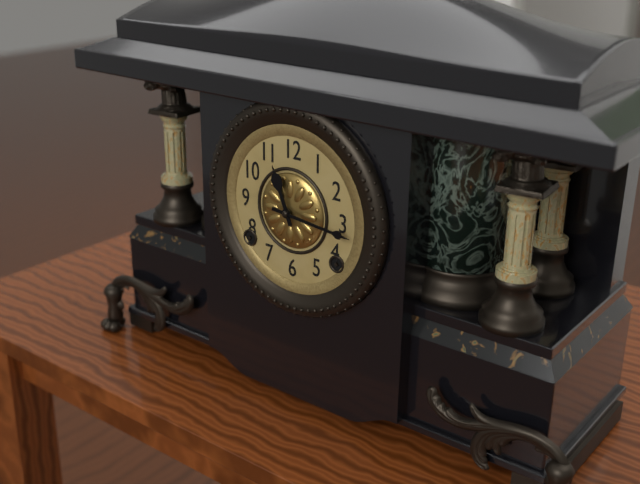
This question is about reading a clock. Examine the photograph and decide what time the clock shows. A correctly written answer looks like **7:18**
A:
**11:16**
